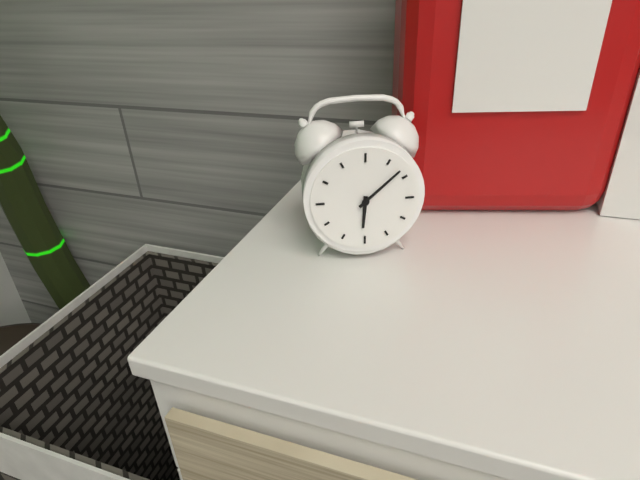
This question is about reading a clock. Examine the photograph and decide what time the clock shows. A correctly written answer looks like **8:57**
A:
**6:08**
